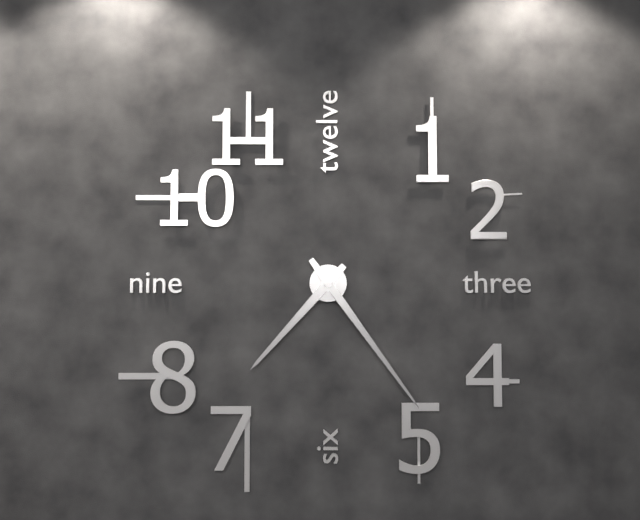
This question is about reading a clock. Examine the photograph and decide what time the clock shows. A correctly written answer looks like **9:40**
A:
**7:24**
